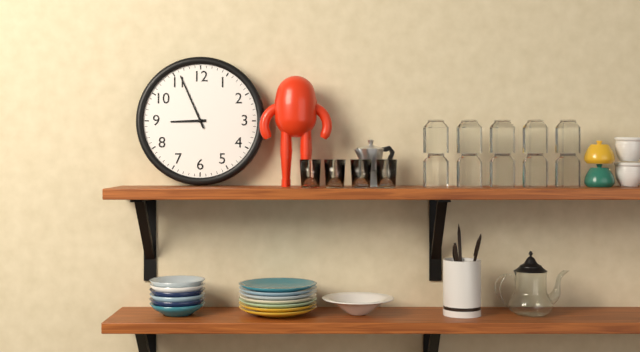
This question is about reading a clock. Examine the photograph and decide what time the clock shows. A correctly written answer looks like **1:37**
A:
**8:56**
